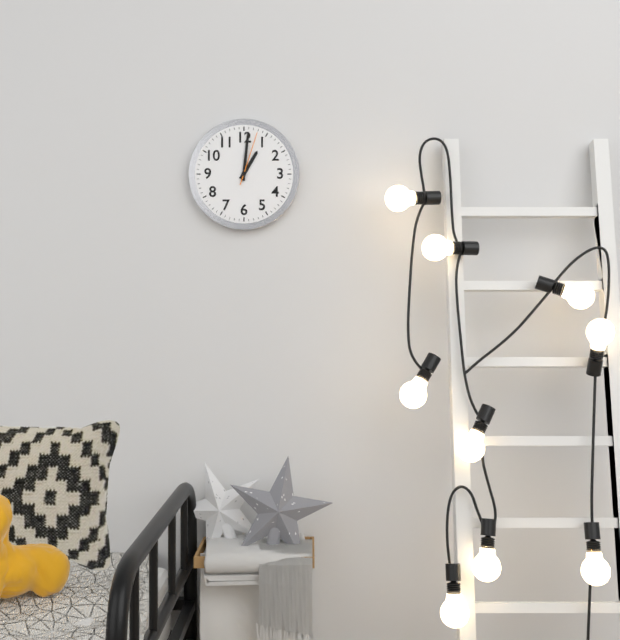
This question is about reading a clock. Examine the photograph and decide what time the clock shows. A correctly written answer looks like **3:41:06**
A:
**1:01:03**
